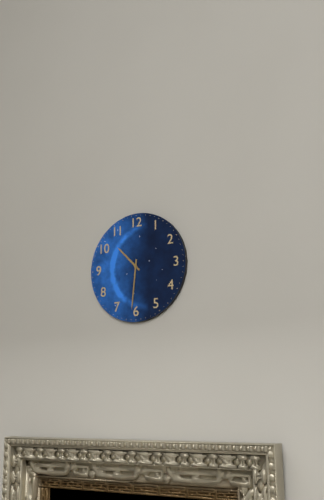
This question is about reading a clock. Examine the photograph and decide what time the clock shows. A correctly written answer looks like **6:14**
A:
**10:31**
